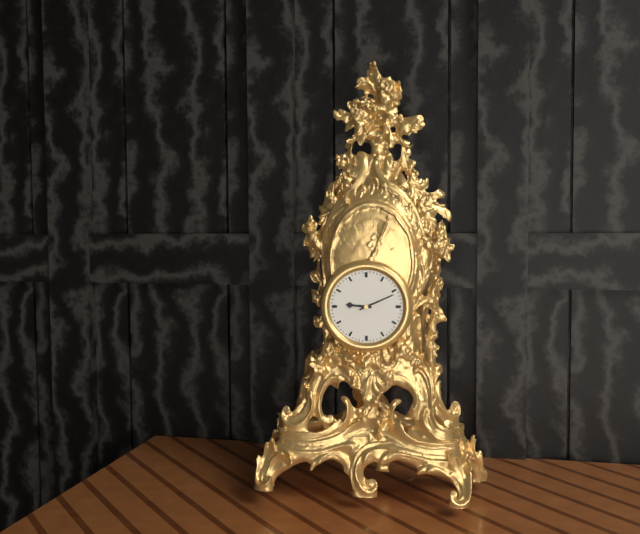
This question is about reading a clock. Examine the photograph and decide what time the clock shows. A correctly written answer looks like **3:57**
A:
**9:11**
